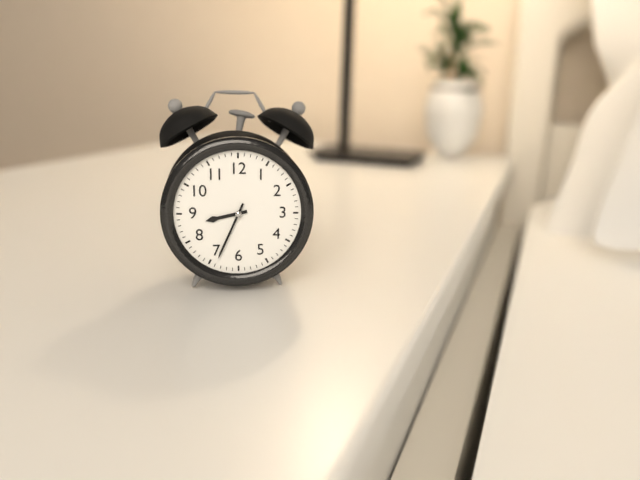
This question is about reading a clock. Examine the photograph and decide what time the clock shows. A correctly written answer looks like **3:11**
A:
**8:34**
